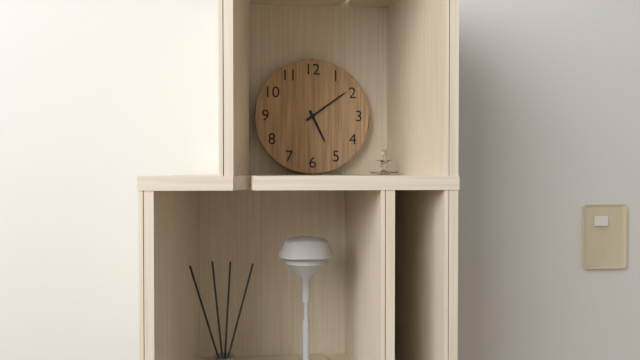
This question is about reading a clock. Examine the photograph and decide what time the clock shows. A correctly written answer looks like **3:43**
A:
**5:09**
